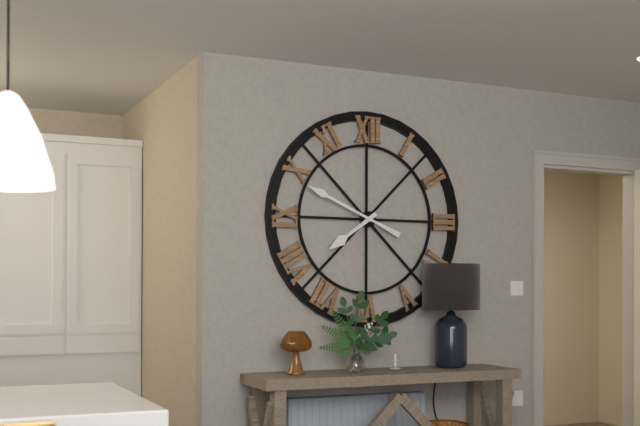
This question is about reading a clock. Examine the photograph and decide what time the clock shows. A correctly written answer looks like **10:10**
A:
**7:49**
